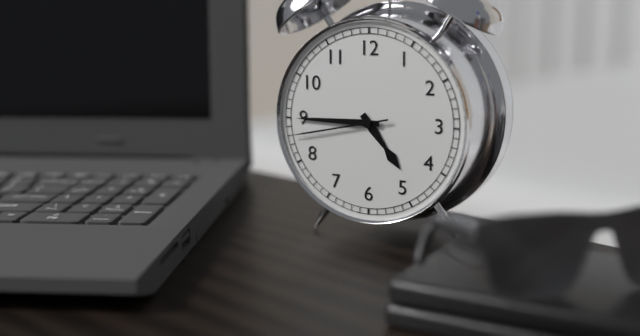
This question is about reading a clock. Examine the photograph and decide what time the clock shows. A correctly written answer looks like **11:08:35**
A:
**4:45:43**
